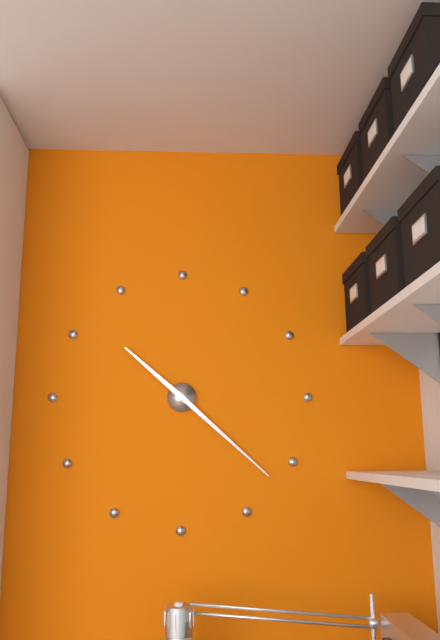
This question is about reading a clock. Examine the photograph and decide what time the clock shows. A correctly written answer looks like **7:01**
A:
**10:22**
